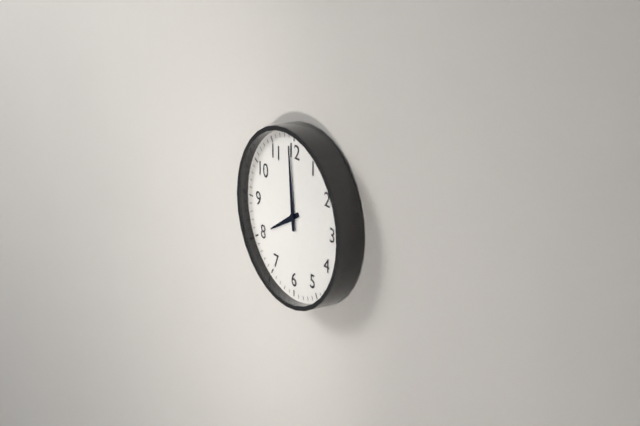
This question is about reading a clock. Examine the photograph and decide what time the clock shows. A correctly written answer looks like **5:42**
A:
**7:59**
